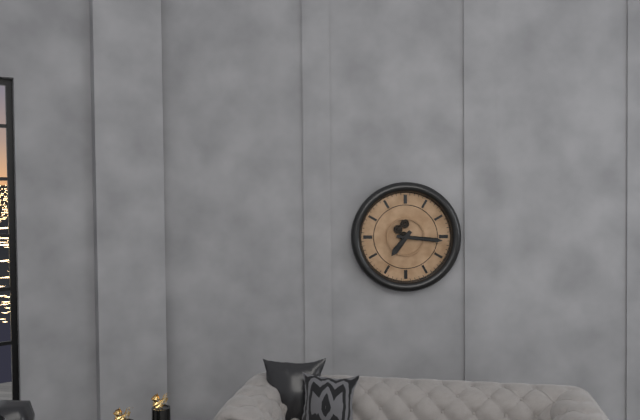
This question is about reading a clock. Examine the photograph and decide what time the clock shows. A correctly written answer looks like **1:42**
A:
**7:16**
